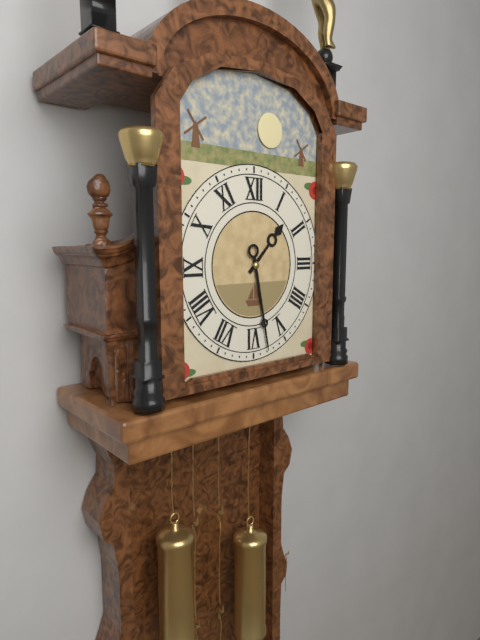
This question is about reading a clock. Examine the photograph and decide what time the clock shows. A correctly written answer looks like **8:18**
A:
**1:28**
